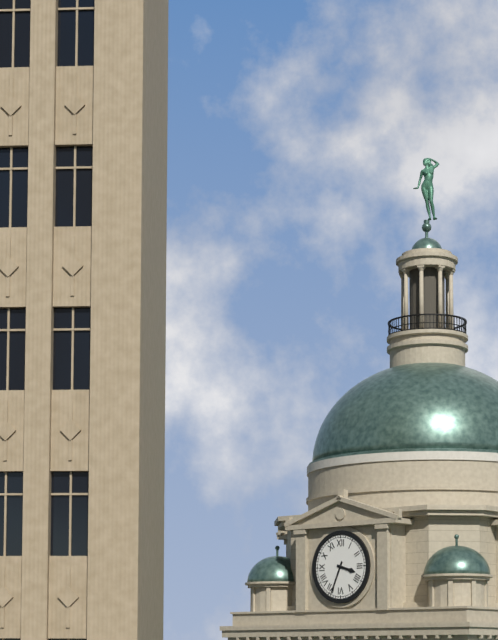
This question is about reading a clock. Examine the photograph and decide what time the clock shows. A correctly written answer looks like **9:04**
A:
**3:34**
